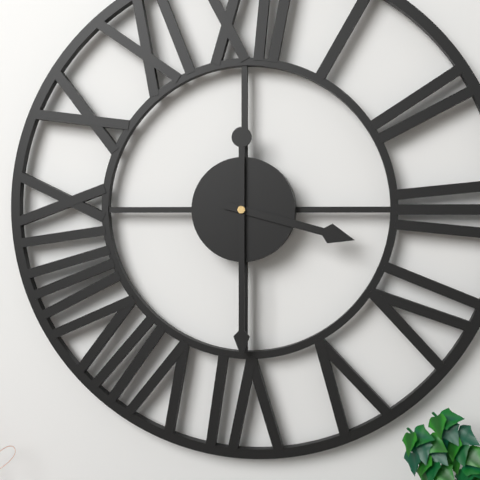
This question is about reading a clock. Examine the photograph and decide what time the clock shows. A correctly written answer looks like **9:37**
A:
**3:30**
